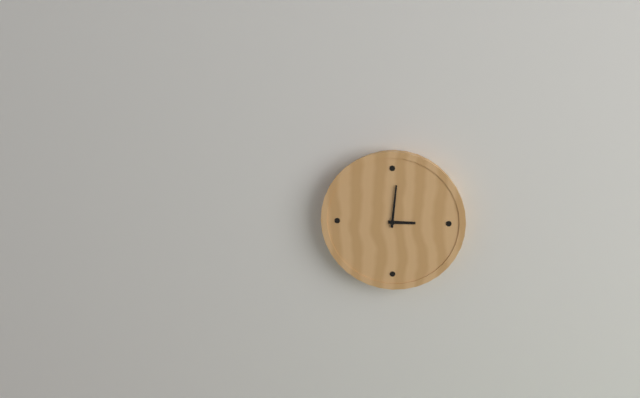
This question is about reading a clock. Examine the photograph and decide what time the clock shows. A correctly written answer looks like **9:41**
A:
**3:01**
